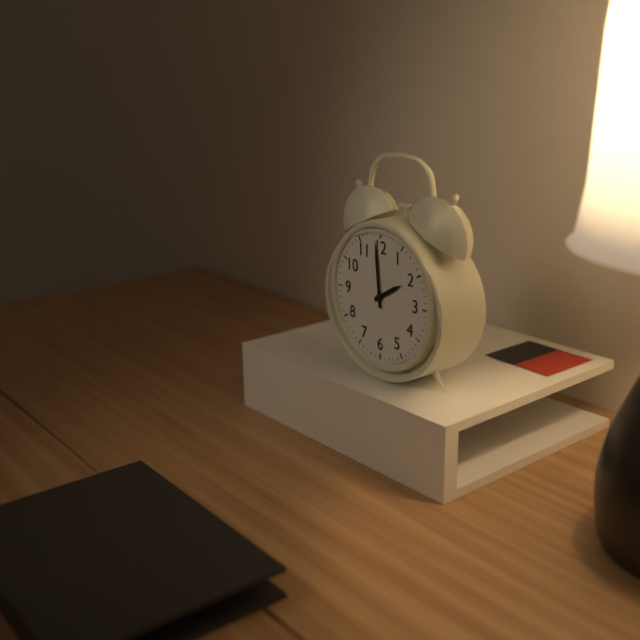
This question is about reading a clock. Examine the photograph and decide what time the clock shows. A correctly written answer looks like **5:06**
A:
**1:59**
